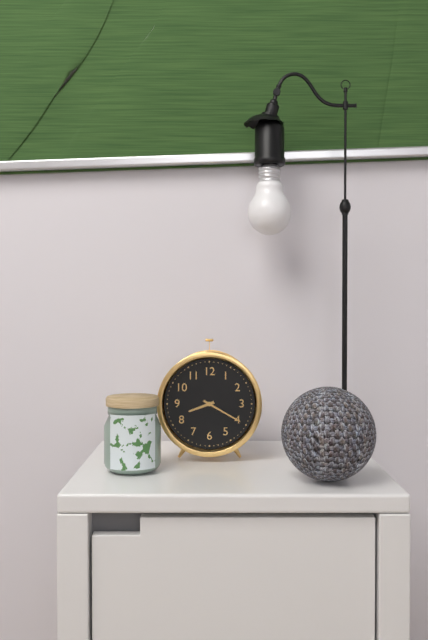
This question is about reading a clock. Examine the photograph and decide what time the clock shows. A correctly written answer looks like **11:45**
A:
**8:20**
